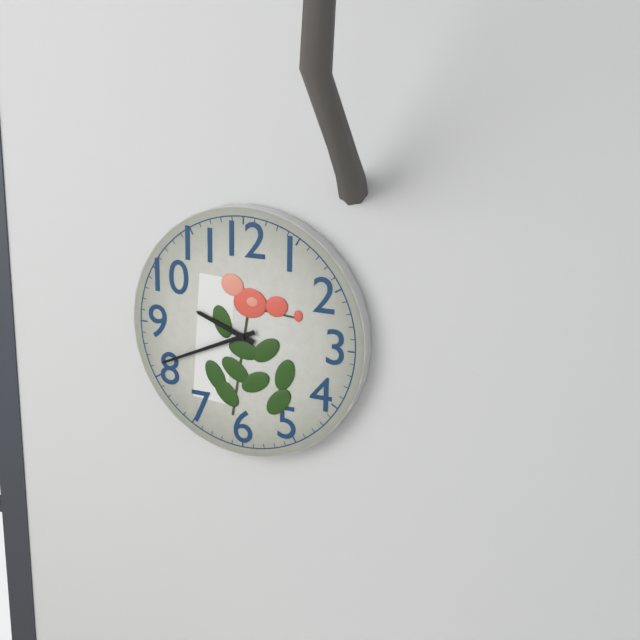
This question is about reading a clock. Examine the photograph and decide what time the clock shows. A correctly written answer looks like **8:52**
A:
**9:41**
